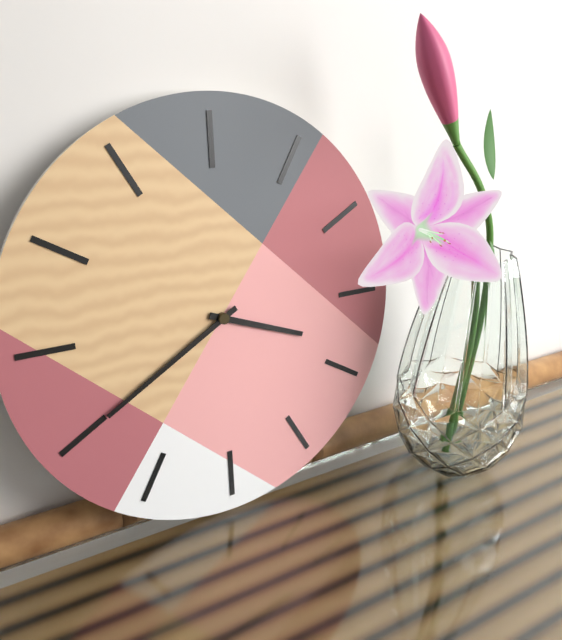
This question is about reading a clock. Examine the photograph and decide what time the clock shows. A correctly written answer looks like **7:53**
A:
**3:40**
